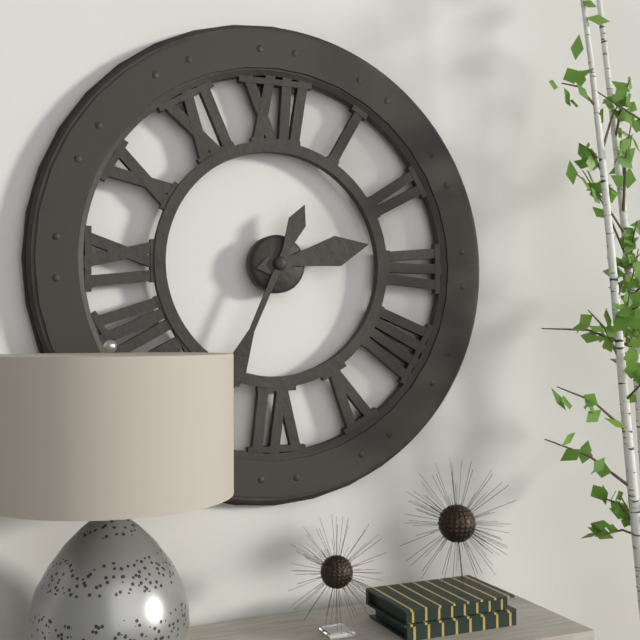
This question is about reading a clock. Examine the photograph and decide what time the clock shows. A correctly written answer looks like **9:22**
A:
**2:34**
